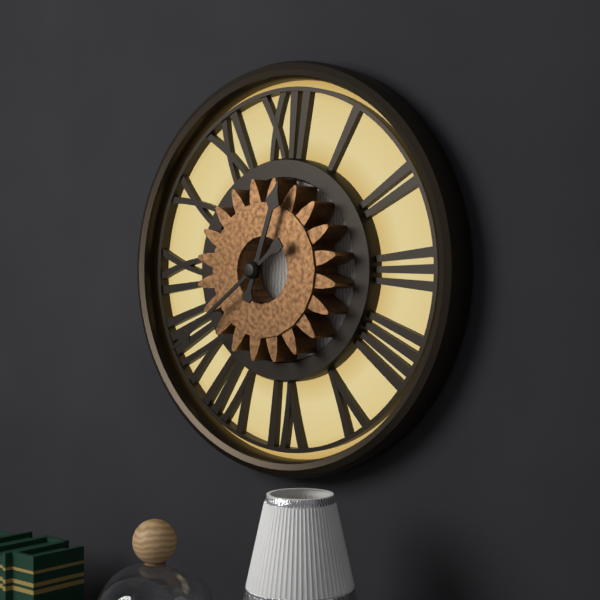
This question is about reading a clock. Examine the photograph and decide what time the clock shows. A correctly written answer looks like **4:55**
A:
**12:39**
